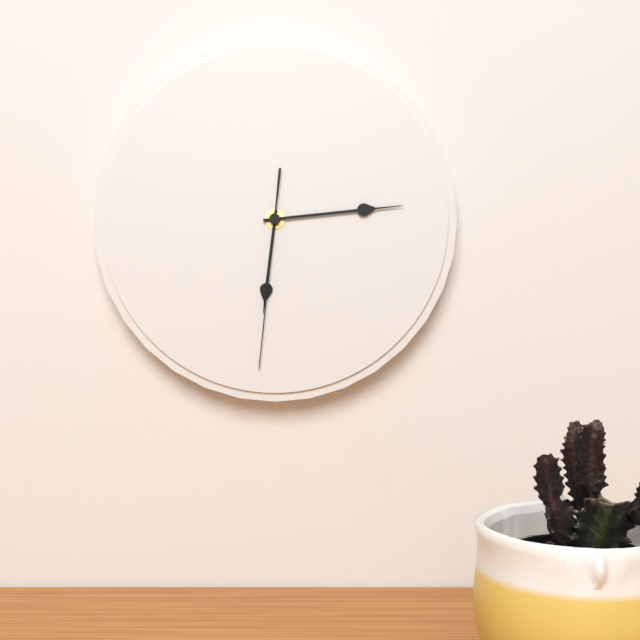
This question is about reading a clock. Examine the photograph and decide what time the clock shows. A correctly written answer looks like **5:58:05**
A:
**6:14:31**
